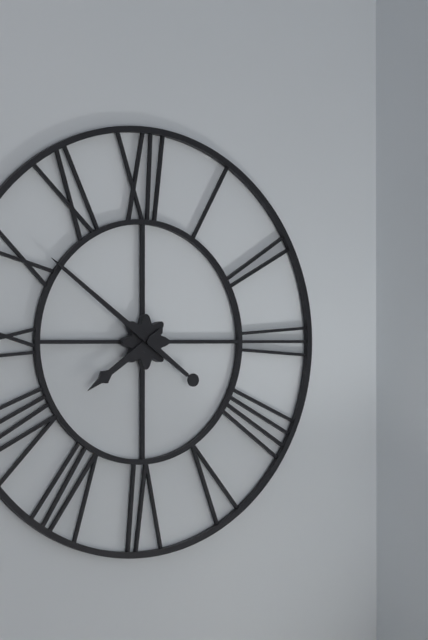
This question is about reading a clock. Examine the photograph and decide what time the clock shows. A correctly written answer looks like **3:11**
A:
**7:51**
